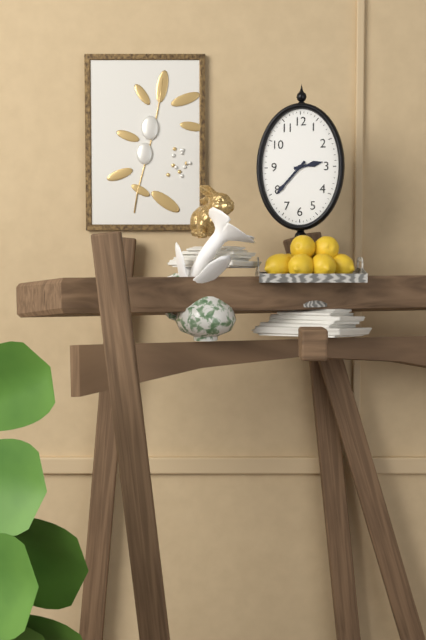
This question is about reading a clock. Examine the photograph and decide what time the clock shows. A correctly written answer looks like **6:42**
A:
**2:37**
